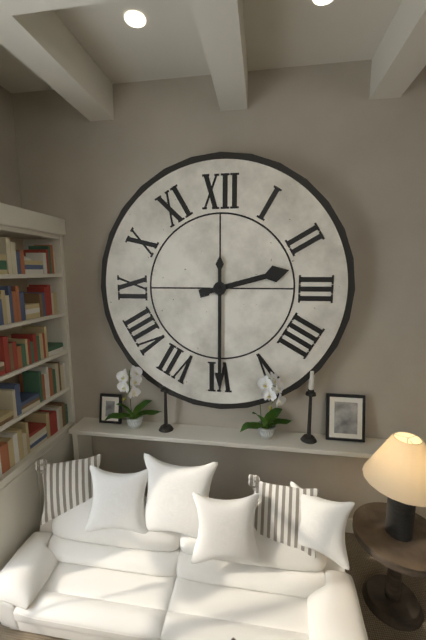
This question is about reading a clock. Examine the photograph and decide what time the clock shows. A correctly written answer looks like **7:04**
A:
**2:30**
